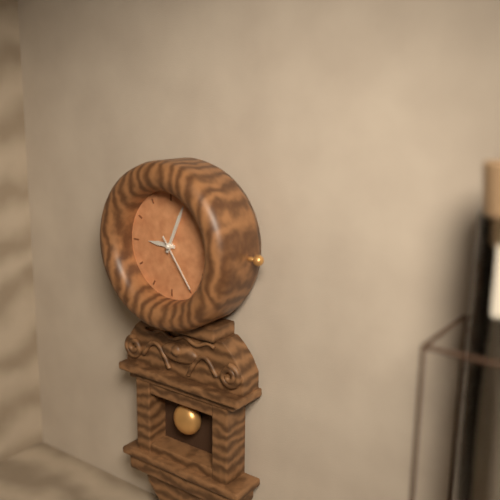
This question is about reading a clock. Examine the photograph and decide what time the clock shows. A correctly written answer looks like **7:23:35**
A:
**9:04:24**
